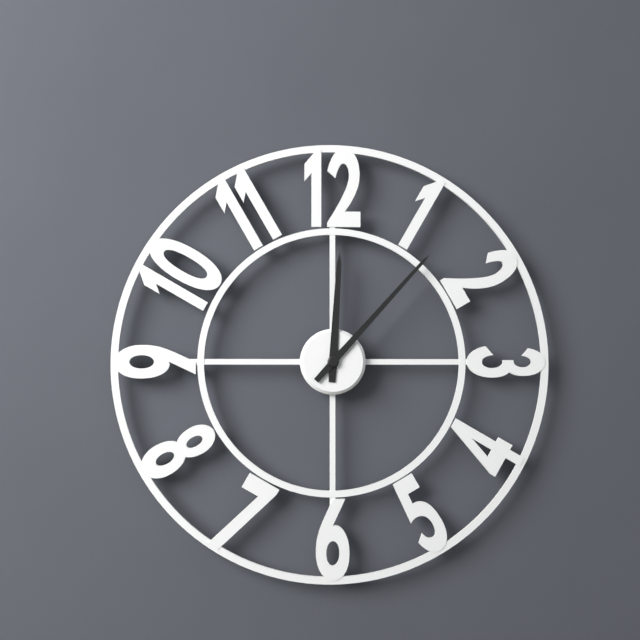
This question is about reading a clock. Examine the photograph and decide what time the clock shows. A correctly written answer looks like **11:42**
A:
**12:07**
